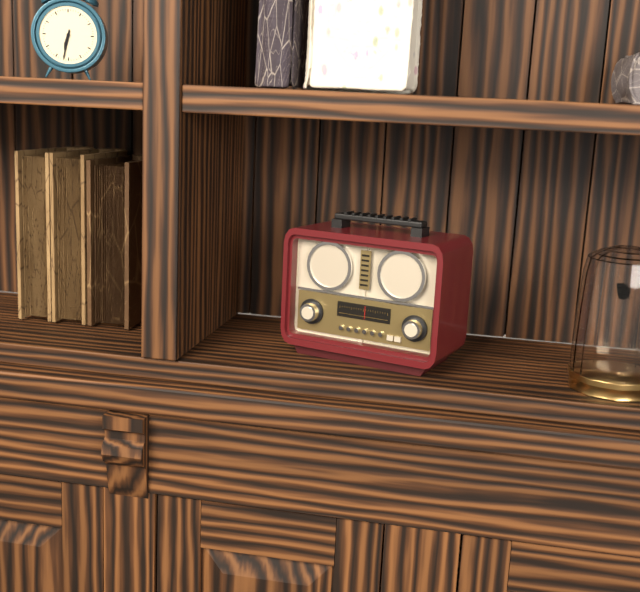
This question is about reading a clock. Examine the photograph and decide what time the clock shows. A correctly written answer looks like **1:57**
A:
**6:32**
